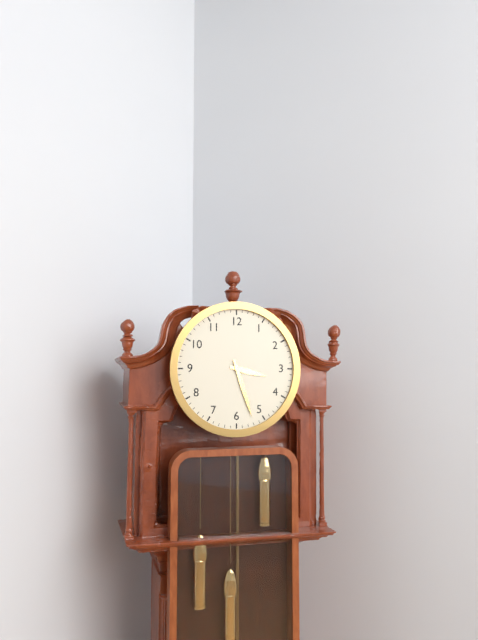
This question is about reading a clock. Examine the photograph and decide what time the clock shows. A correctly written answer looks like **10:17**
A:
**3:27**
